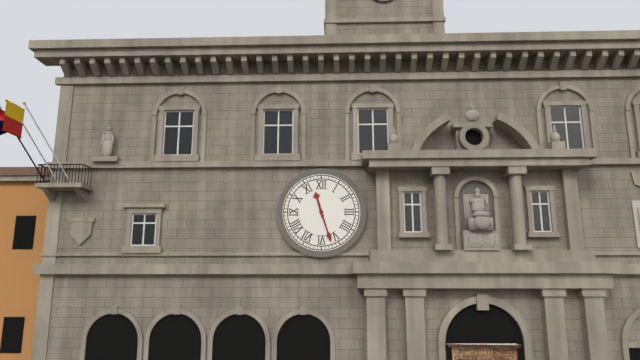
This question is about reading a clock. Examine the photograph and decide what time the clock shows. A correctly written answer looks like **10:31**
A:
**11:27**
